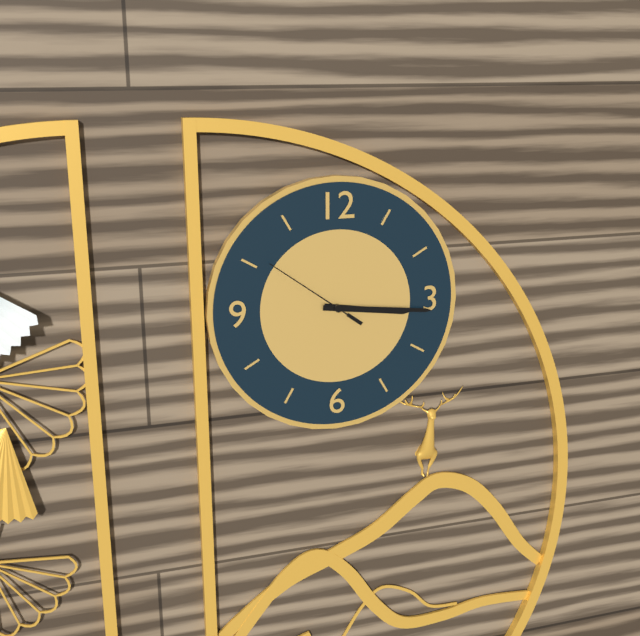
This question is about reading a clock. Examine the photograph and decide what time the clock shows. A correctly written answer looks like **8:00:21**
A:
**3:16:51**
